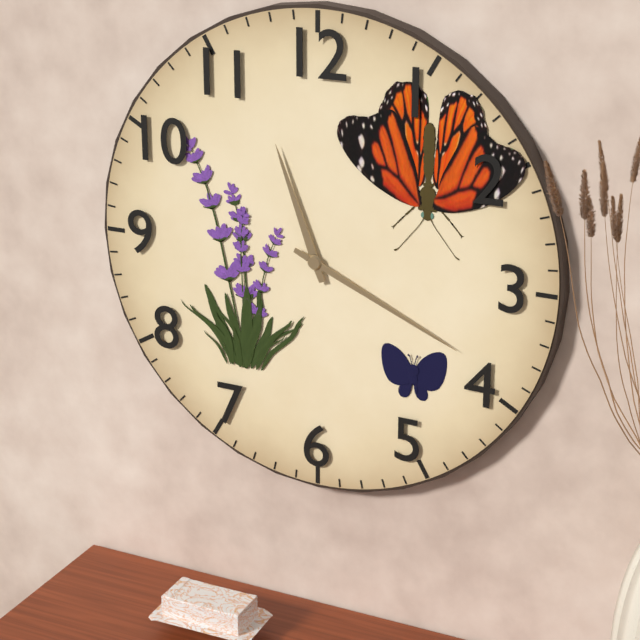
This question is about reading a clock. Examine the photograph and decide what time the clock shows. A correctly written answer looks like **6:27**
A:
**11:19**
